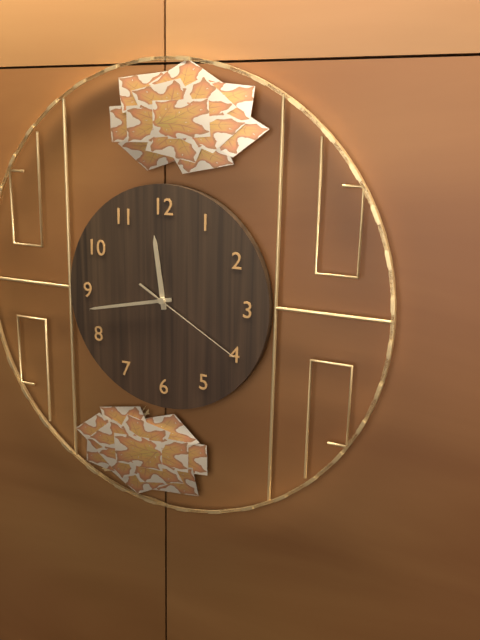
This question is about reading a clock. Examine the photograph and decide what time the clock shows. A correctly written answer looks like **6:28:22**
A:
**11:43:20**
